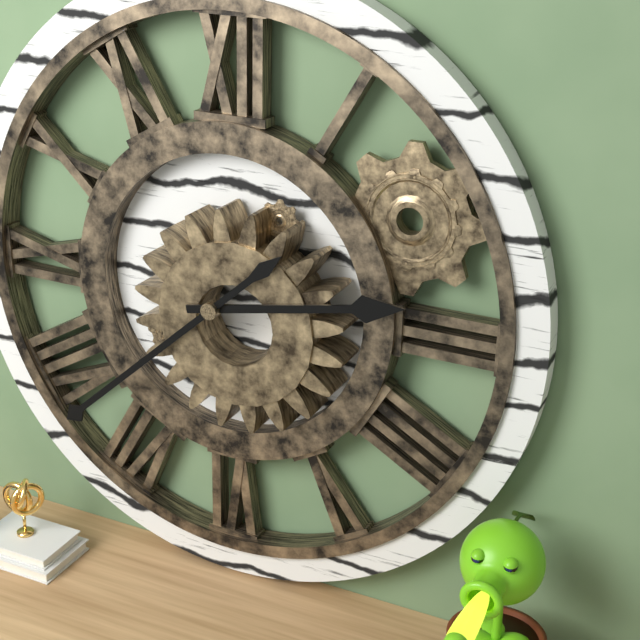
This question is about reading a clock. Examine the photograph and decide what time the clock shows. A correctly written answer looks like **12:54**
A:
**2:38**
